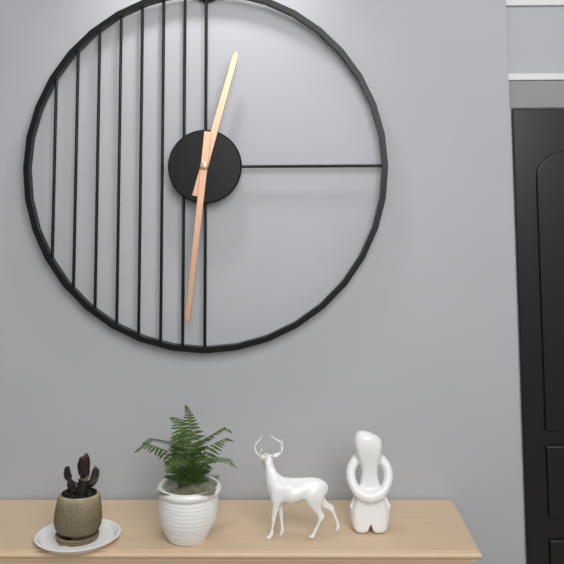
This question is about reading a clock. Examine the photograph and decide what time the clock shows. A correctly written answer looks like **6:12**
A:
**12:31**
